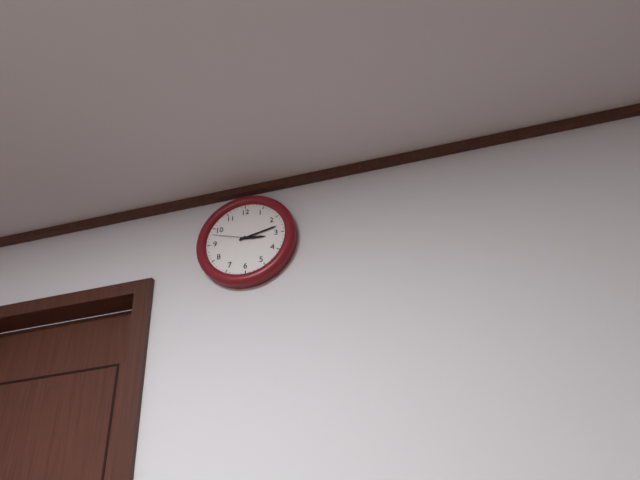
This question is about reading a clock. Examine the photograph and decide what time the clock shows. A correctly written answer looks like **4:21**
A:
**3:13**
